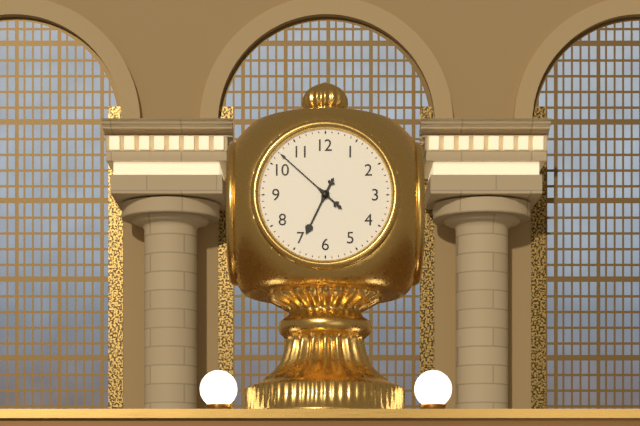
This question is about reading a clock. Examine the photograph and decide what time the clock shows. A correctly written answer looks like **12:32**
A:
**6:52**
